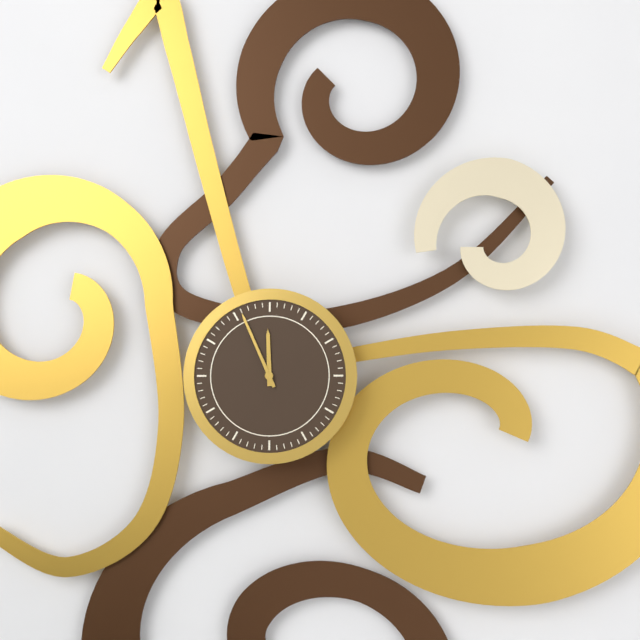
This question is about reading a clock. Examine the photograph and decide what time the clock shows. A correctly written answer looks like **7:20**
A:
**11:56**
